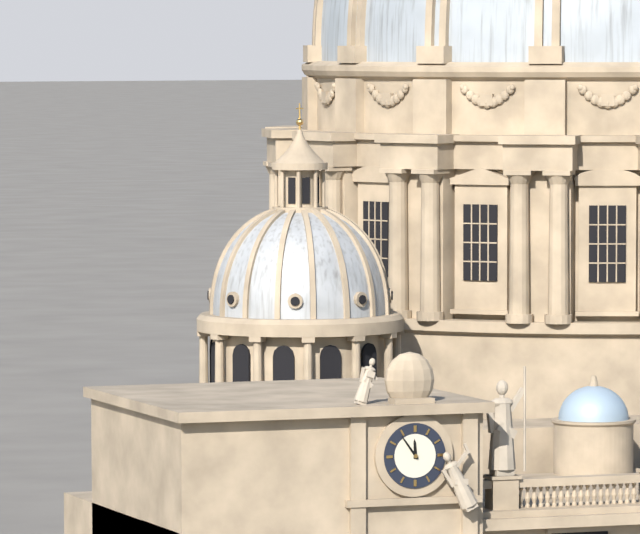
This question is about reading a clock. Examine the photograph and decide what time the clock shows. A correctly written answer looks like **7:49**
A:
**11:54**
